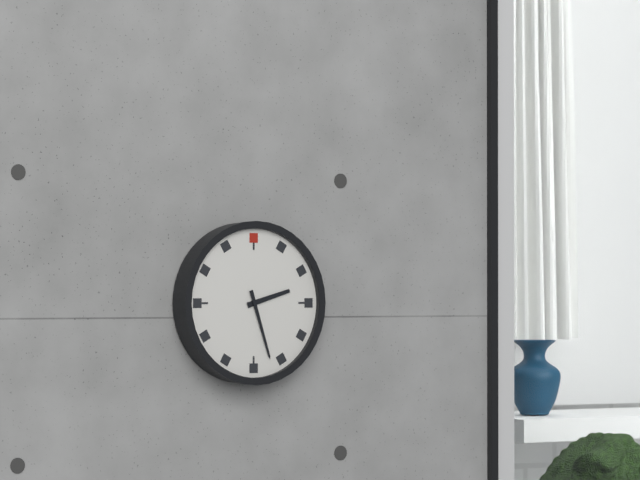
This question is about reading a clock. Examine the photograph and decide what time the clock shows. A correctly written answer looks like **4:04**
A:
**2:27**
